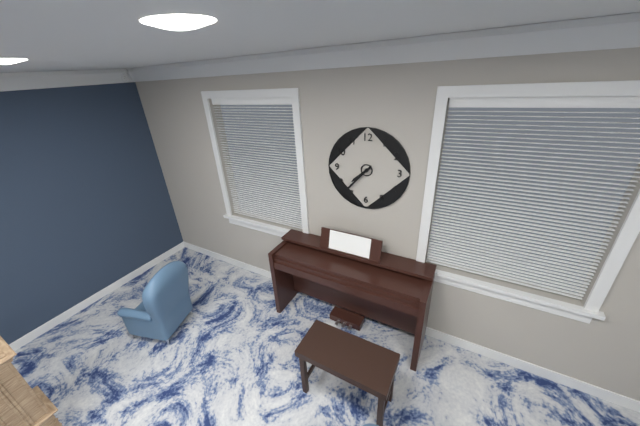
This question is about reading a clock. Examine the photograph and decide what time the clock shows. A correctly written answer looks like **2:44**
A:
**7:37**
